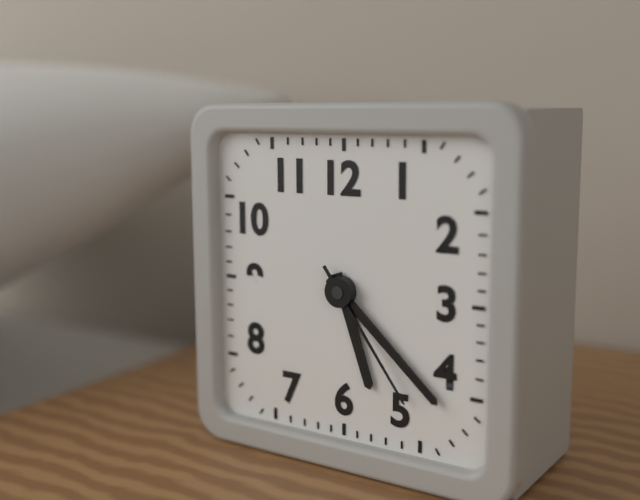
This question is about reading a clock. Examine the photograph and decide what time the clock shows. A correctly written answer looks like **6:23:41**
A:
**5:22:24**
